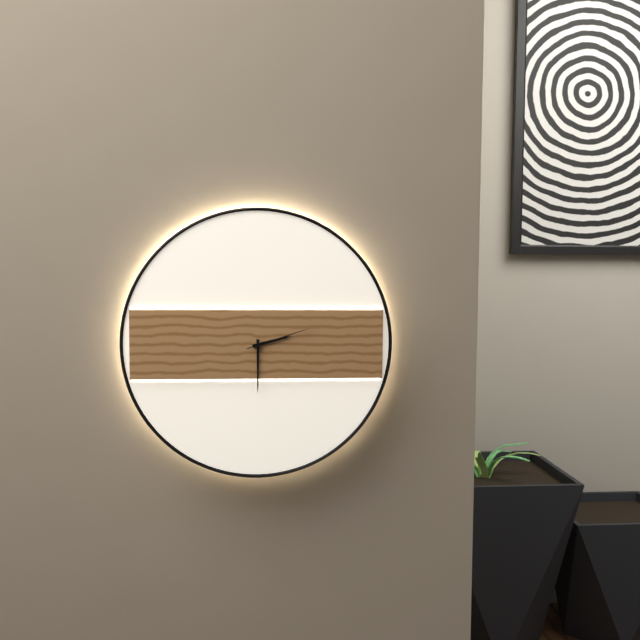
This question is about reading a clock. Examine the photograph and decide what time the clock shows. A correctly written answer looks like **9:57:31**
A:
**2:30:12**
